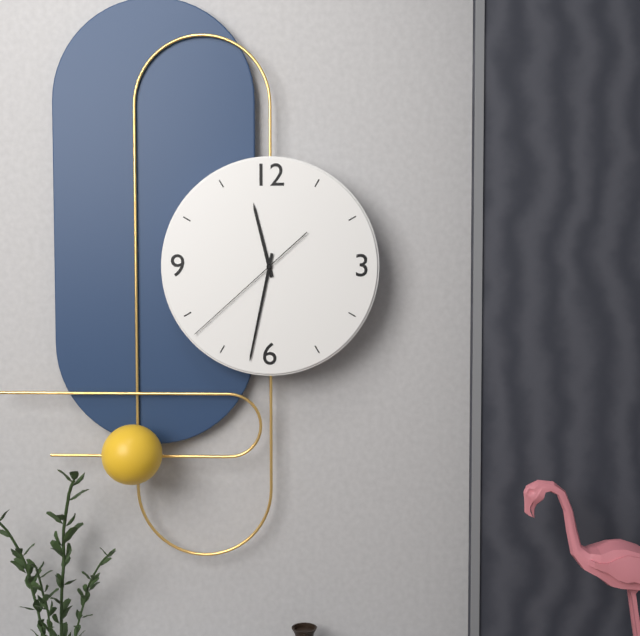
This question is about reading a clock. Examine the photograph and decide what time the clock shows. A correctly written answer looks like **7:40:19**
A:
**11:32:38**
